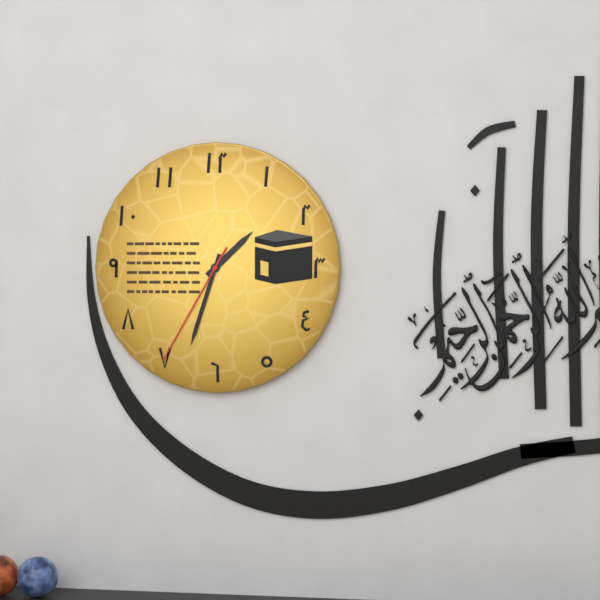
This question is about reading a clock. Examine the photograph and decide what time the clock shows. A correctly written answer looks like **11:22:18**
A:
**1:33:35**
